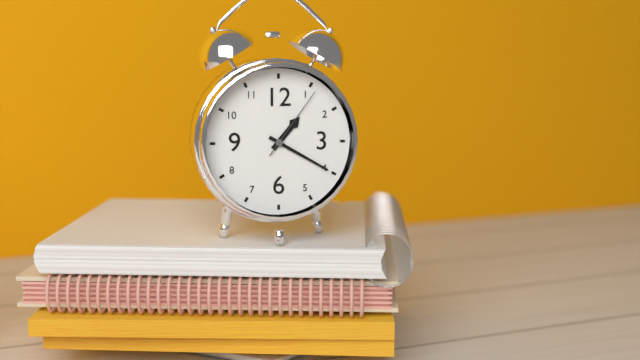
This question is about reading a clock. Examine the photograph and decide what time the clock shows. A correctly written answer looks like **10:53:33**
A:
**1:20:06**
